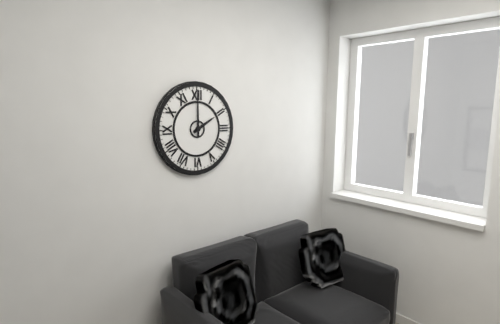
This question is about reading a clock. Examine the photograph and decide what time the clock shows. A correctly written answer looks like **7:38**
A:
**2:00**
